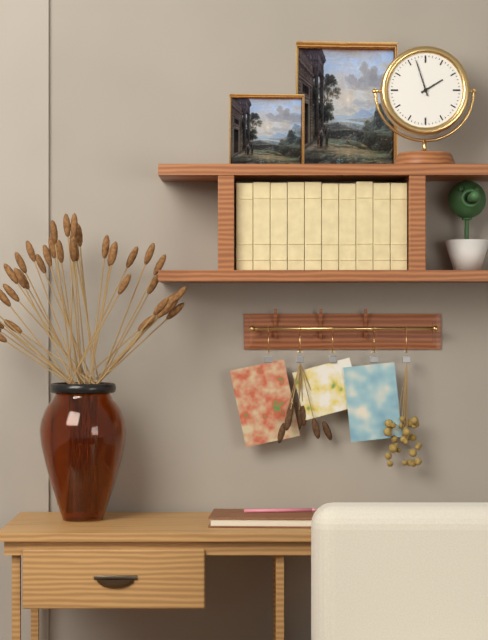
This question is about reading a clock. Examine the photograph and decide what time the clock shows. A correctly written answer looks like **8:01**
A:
**1:57**
